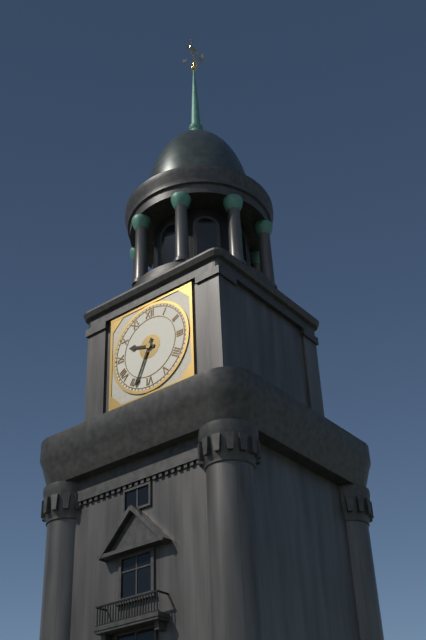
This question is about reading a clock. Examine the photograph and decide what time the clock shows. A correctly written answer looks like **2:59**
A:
**9:34**
